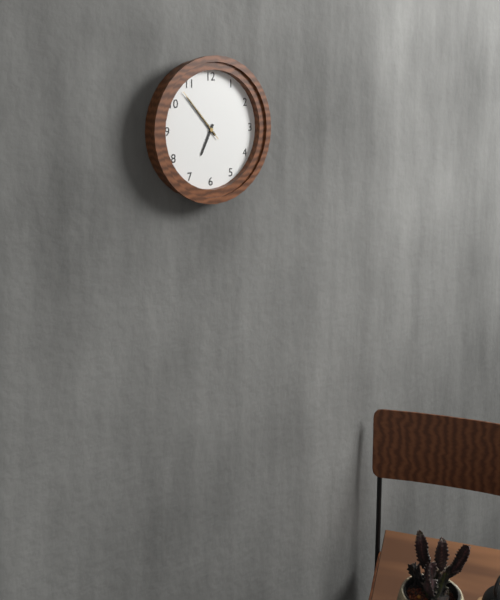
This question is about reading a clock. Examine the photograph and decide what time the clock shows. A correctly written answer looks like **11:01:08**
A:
**6:53:53**
